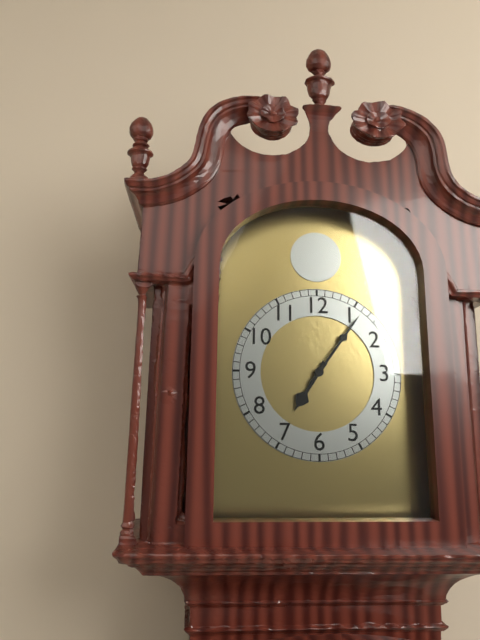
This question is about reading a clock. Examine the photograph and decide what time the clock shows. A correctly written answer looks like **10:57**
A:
**7:06**
